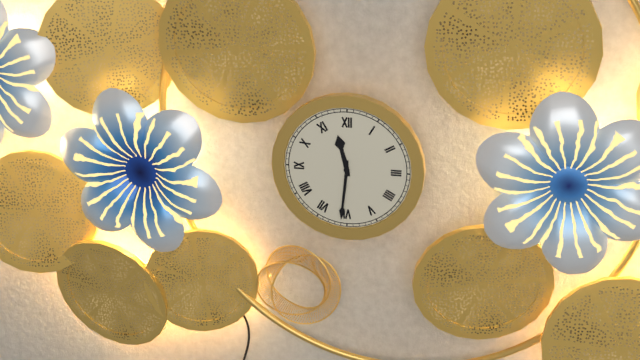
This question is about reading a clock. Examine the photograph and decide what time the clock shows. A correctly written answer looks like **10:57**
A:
**11:31**
